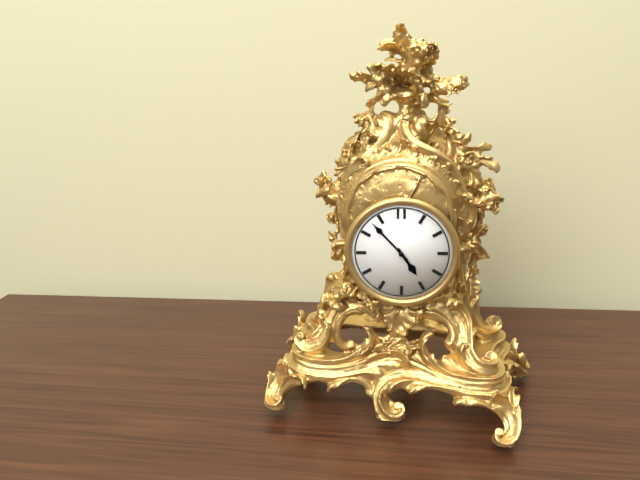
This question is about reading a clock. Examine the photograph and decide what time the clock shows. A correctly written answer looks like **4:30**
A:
**4:53**
